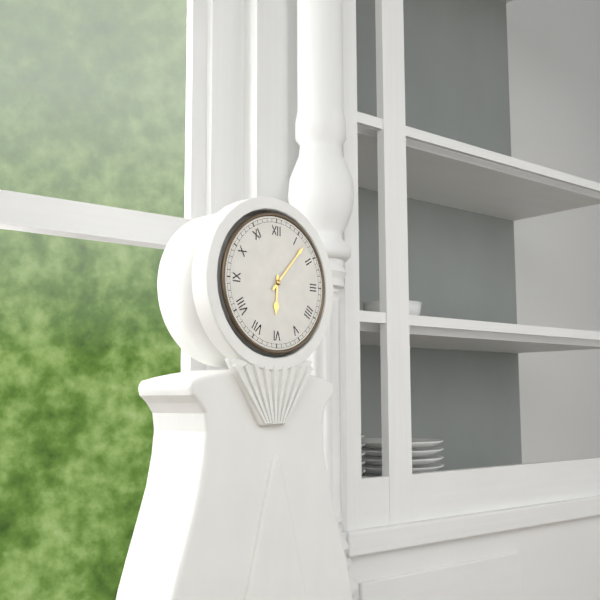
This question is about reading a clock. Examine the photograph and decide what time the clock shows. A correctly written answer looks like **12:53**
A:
**6:07**
